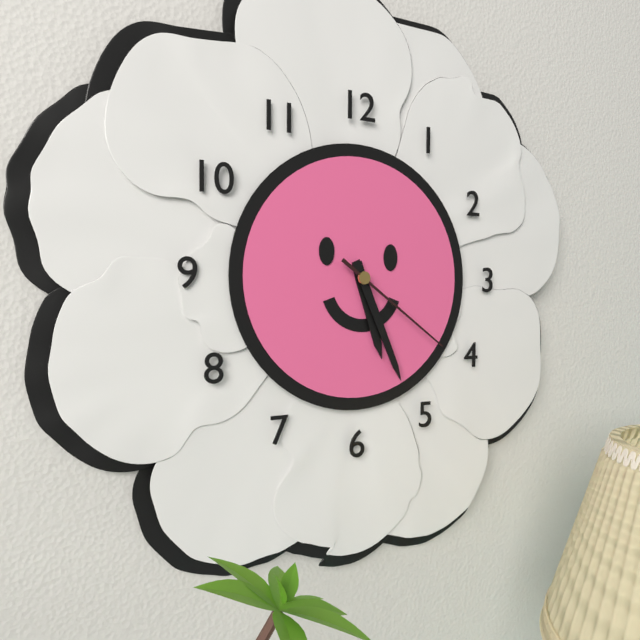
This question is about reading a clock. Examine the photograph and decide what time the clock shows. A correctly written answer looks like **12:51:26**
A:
**5:26:21**
